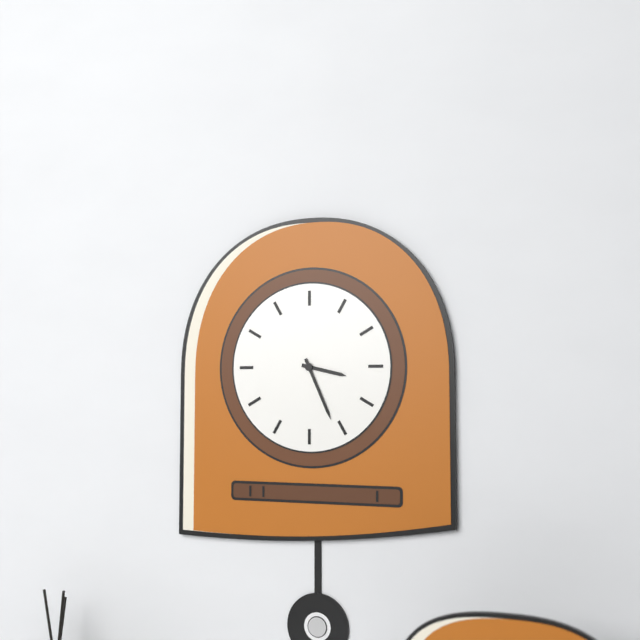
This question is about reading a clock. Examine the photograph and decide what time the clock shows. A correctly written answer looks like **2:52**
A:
**3:26**
